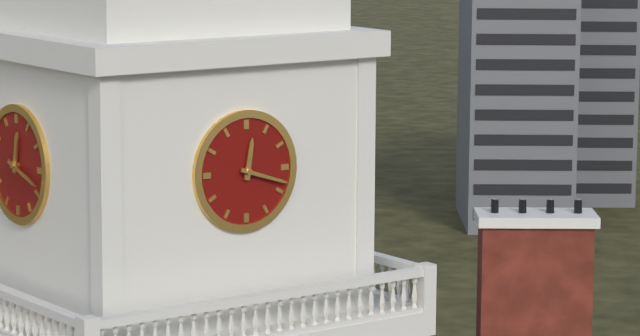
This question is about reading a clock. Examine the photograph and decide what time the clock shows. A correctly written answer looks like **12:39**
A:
**12:18**
